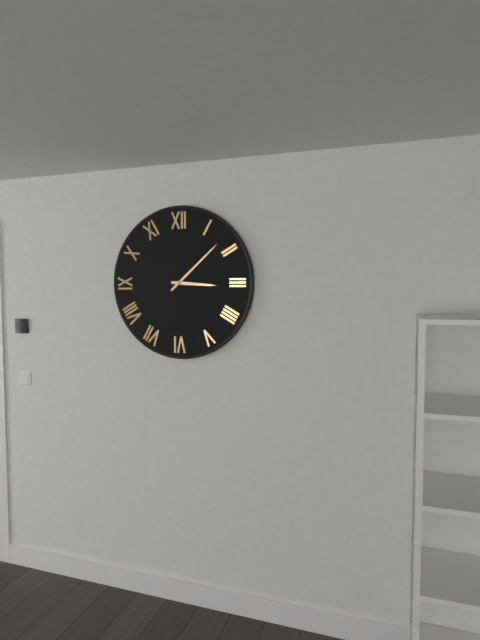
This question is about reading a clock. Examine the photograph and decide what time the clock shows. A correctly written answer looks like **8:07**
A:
**3:08**
